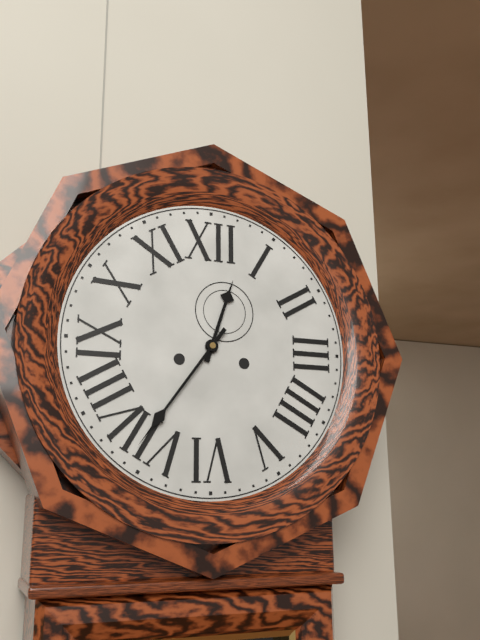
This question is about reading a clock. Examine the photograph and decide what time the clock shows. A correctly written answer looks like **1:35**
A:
**12:36**
